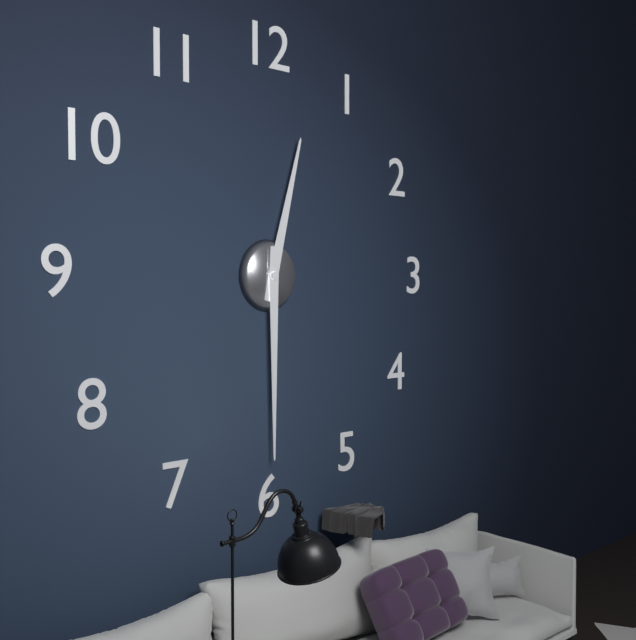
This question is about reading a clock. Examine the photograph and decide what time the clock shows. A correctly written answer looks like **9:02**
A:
**12:30**
